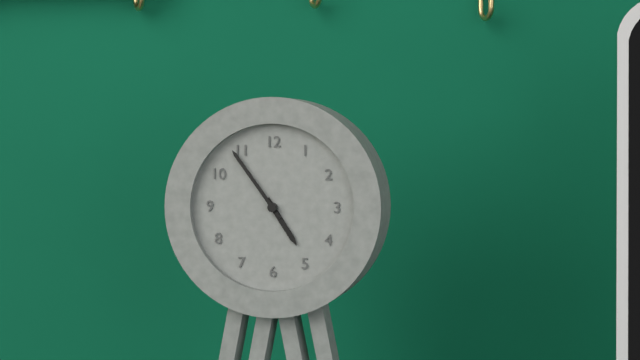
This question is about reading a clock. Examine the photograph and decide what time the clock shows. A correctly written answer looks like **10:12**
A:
**4:54**
